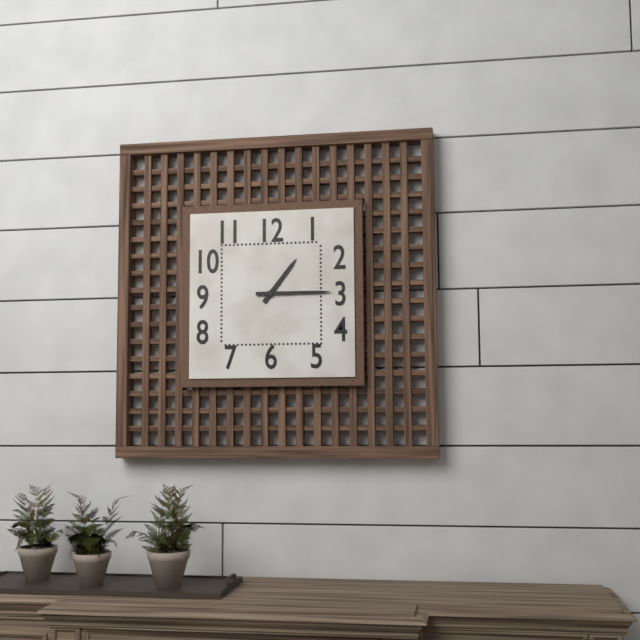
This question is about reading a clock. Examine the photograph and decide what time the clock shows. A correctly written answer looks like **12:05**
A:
**1:15**
